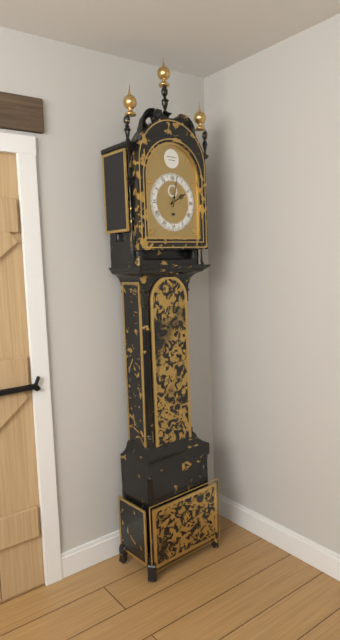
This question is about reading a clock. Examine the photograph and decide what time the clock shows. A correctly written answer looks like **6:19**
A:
**2:02**
